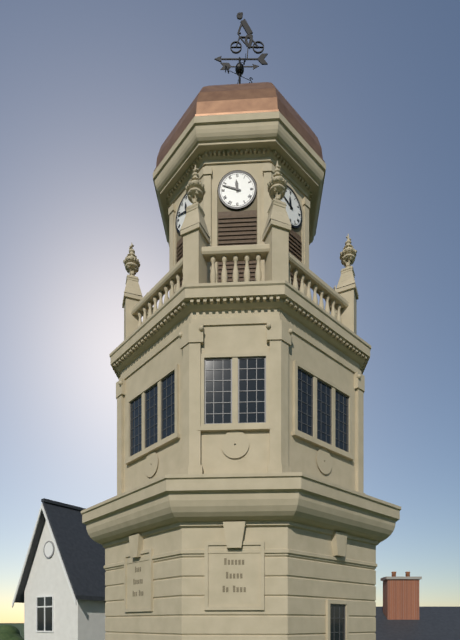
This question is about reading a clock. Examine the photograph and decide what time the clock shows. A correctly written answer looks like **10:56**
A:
**11:48**
